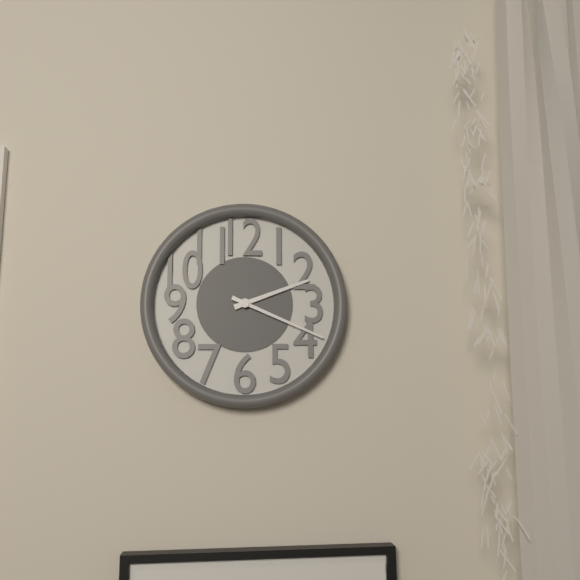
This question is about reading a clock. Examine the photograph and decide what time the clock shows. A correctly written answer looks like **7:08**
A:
**2:19**
